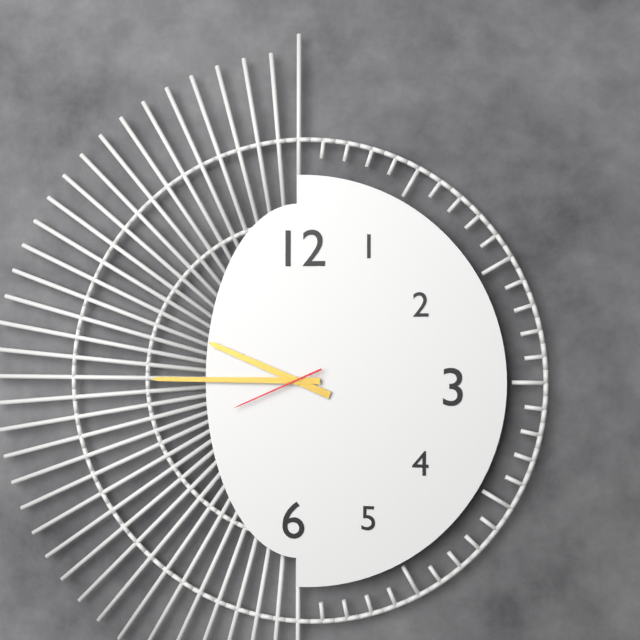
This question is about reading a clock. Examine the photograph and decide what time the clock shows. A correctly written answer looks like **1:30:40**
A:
**9:45:41**
